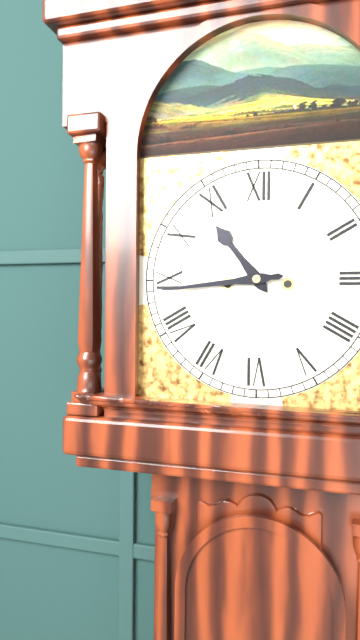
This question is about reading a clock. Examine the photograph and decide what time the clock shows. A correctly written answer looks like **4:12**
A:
**10:44**
